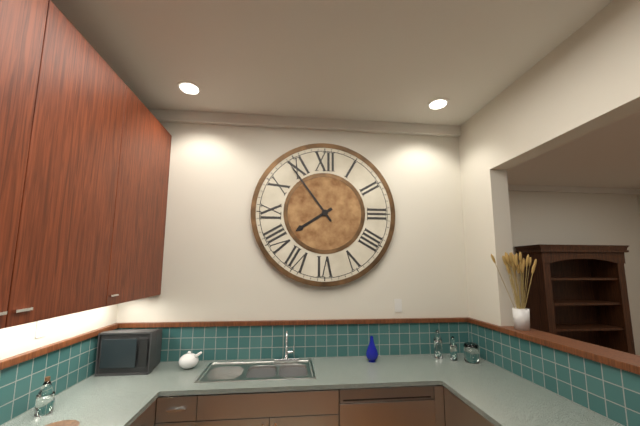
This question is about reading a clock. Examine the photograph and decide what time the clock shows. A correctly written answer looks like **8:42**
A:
**7:54**
